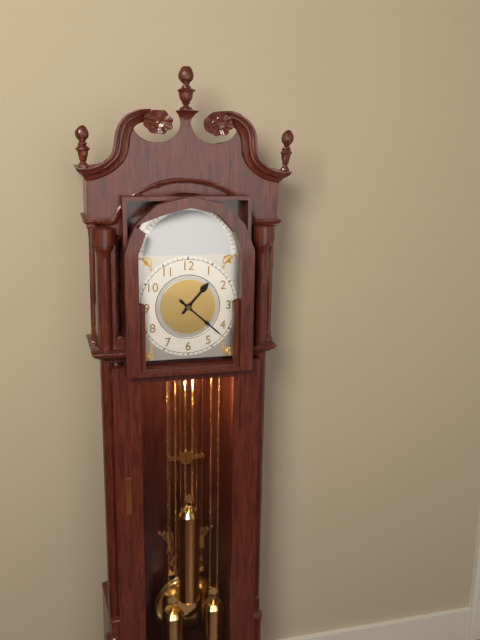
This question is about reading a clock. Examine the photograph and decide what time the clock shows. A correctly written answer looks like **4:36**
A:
**1:22**
